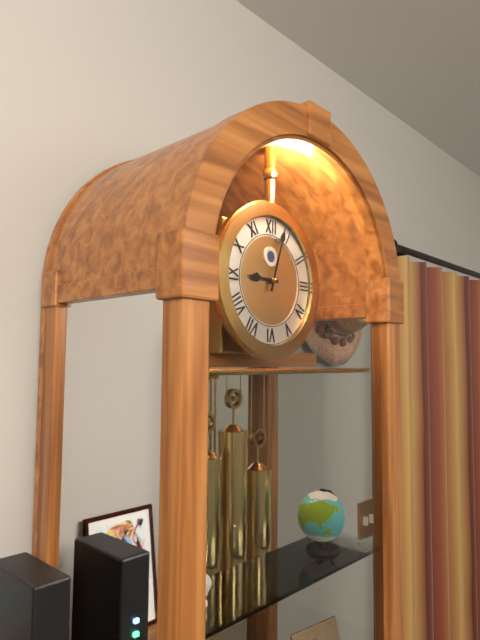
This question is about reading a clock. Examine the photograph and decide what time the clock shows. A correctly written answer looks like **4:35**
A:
**9:03**
